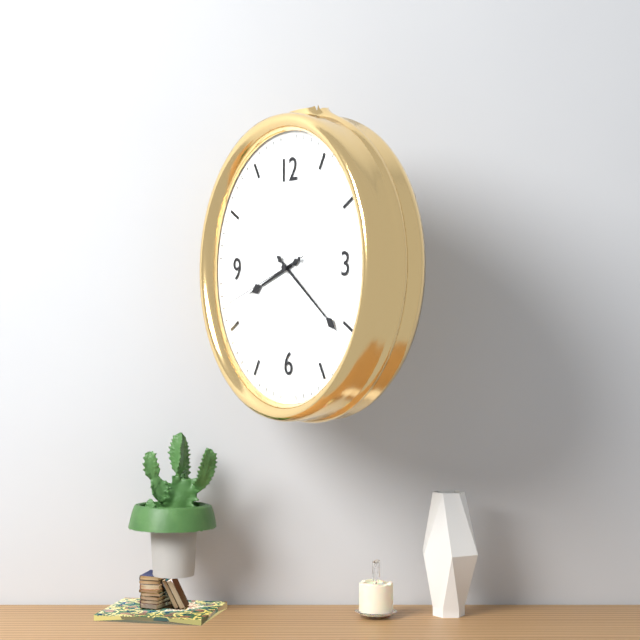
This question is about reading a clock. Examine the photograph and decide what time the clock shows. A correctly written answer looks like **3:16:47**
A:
**8:21:42**
